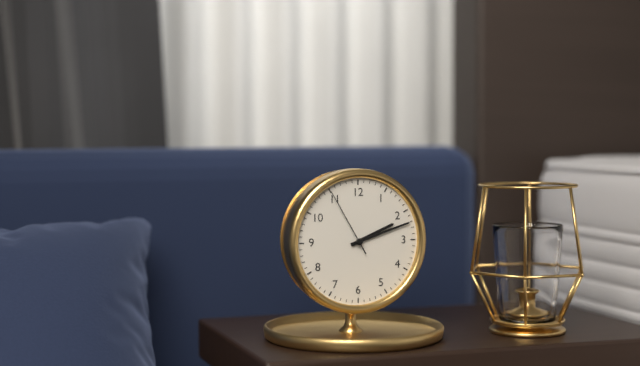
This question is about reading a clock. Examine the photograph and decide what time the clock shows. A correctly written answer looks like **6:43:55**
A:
**2:12:55**
